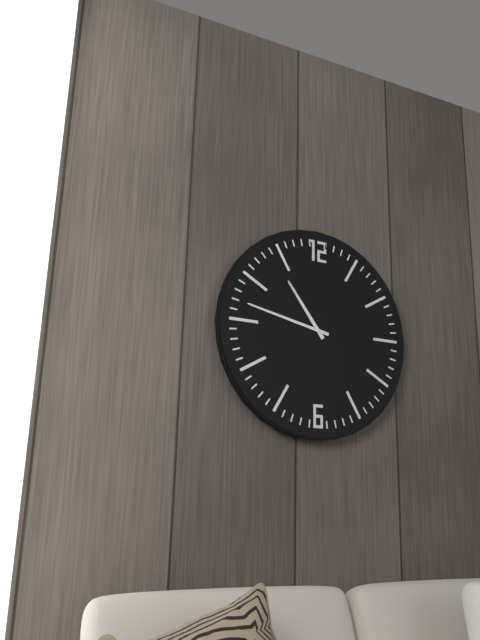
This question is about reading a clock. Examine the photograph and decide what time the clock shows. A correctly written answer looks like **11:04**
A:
**10:47**
